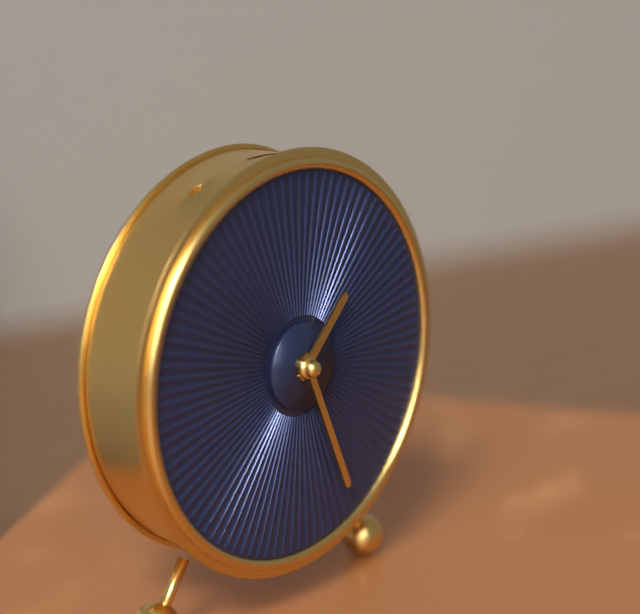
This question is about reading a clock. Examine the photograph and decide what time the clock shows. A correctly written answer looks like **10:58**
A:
**1:26**
